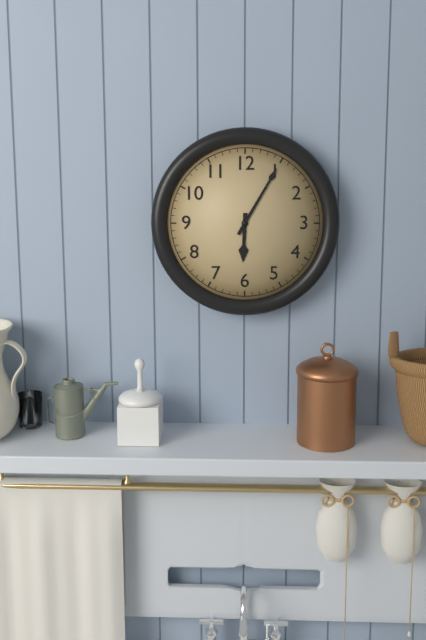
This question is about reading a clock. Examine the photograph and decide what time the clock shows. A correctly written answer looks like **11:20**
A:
**6:05**
